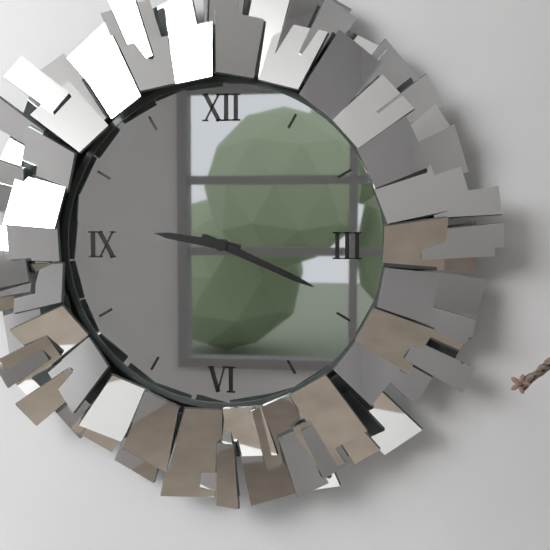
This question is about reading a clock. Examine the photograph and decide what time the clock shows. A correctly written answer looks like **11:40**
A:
**9:19**
